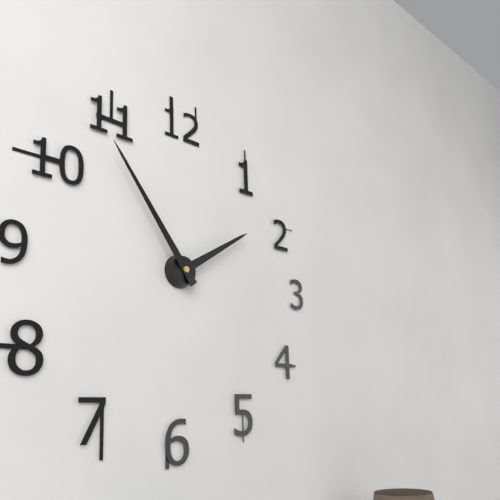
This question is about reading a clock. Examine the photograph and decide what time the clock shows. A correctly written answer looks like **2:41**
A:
**1:54**
